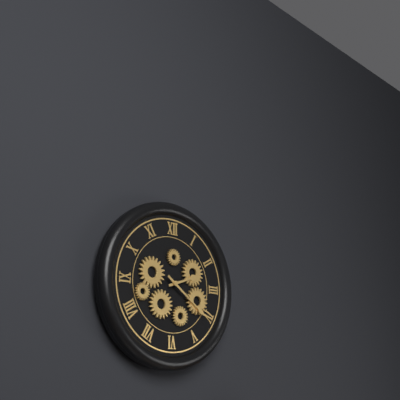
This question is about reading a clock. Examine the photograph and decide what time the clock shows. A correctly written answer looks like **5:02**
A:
**2:21**
